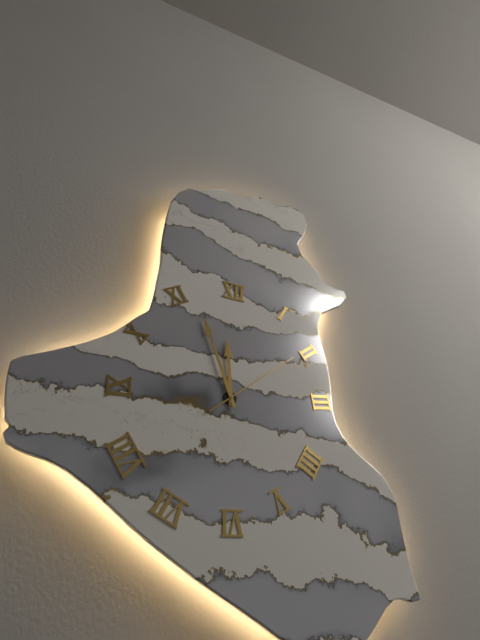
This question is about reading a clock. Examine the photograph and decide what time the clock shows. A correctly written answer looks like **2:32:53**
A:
**11:57:09**
